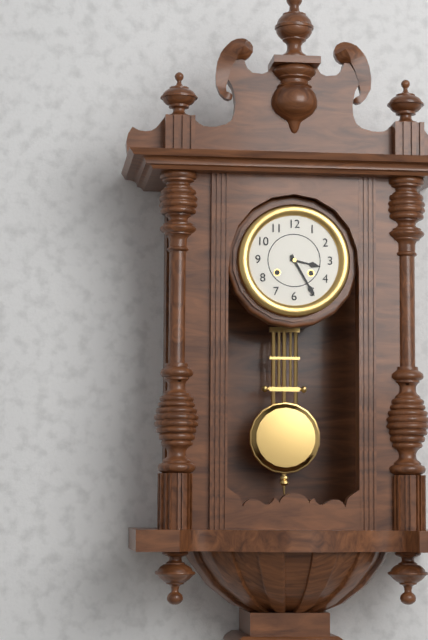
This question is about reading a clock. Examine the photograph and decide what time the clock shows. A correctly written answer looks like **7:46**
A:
**3:25**
